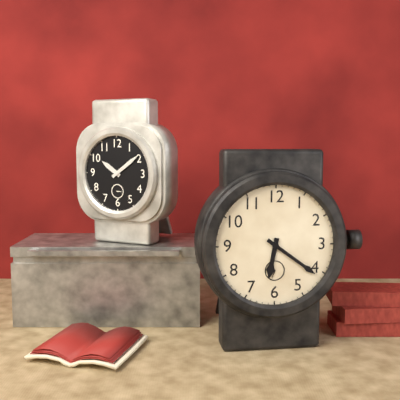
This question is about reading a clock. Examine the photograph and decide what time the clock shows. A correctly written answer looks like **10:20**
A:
**6:21**
